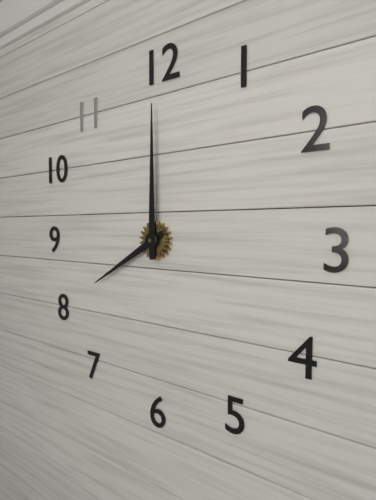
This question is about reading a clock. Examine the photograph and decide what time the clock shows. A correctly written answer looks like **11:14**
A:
**8:00**
